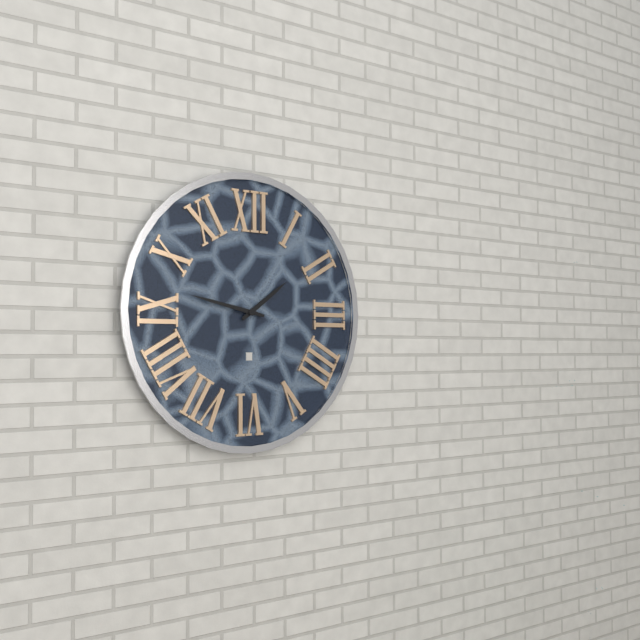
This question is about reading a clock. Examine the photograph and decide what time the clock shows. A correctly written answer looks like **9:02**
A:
**1:47**
